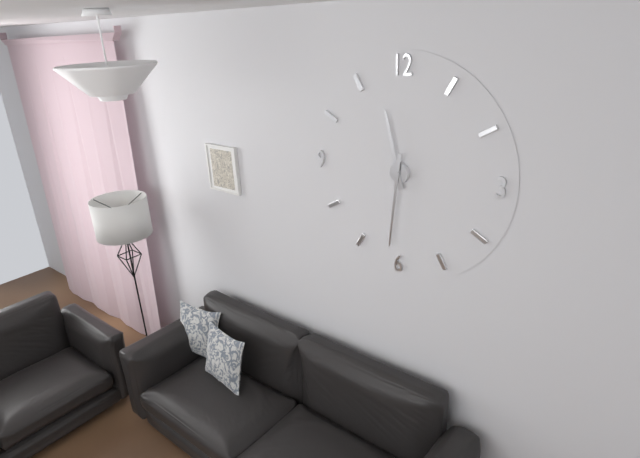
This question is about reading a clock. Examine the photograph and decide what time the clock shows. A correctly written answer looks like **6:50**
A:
**11:31**
